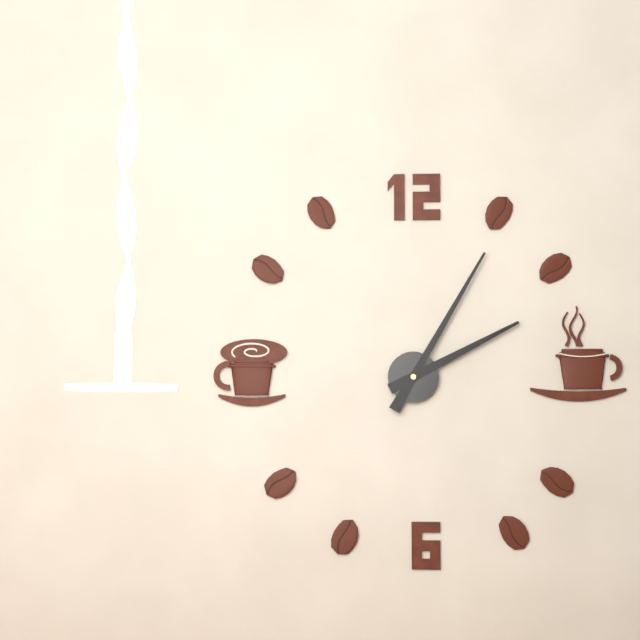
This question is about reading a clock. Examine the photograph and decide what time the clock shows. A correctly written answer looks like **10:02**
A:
**2:05**
